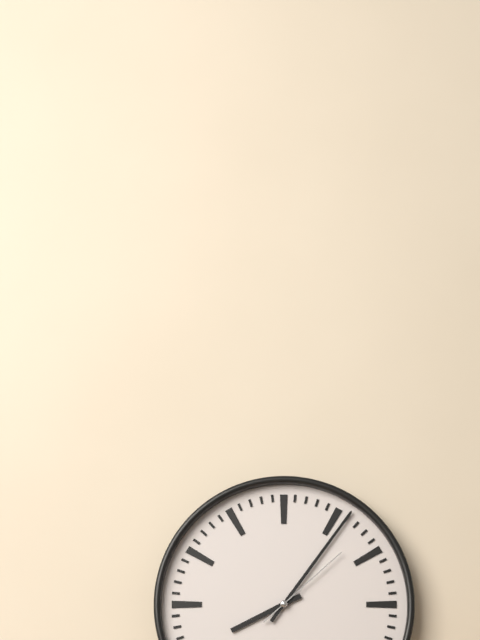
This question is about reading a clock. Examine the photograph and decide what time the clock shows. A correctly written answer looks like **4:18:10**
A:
**8:06:08**
